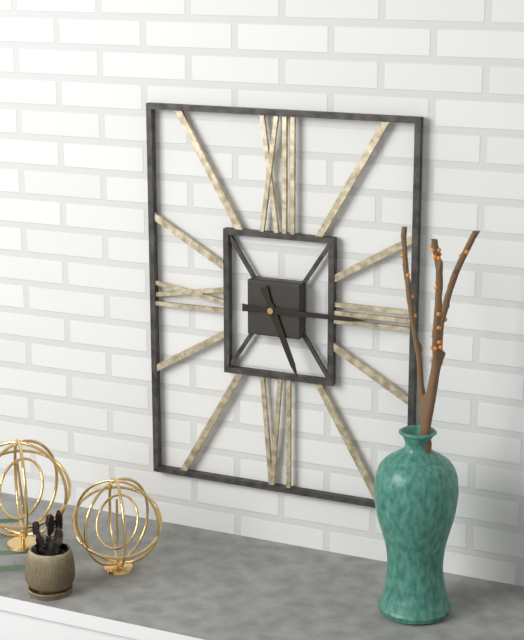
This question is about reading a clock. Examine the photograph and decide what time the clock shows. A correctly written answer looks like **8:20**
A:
**5:15**
